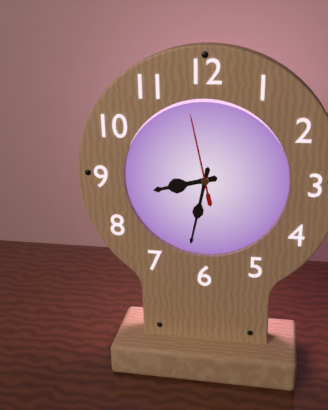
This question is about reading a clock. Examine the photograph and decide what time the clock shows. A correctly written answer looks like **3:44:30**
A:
**8:32:58**
